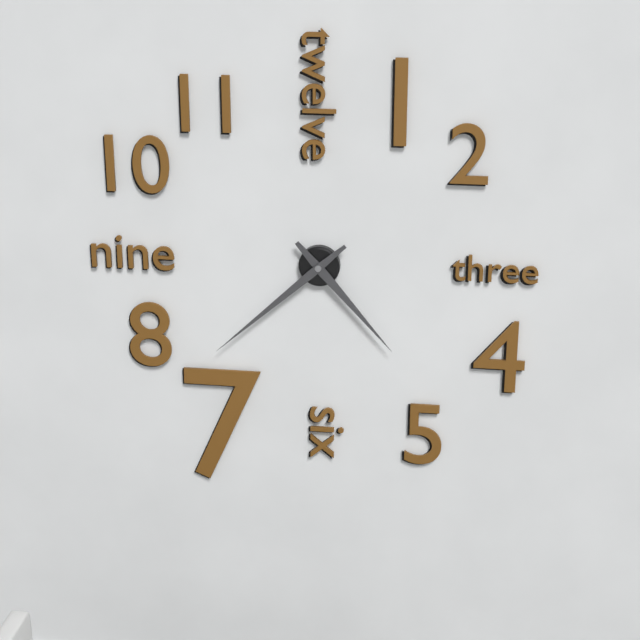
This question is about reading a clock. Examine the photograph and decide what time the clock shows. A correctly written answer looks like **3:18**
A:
**4:38**
